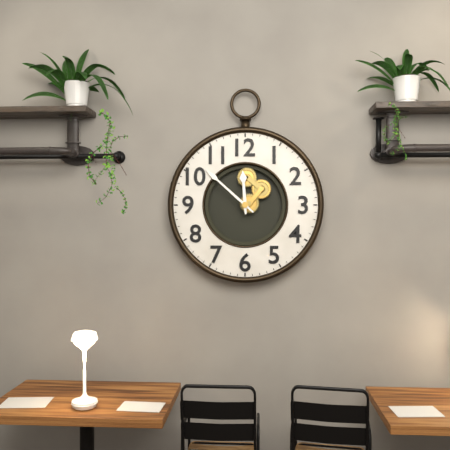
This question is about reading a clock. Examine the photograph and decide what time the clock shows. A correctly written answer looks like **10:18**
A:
**11:52**
